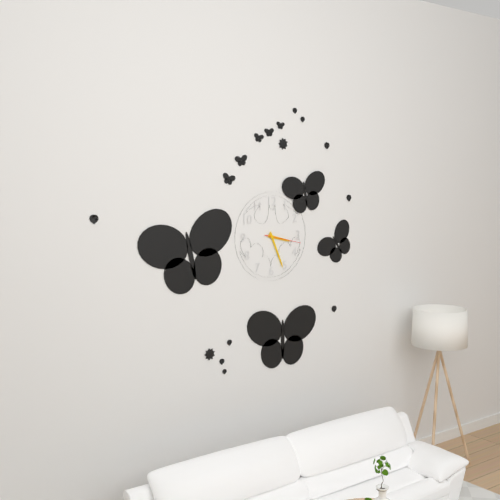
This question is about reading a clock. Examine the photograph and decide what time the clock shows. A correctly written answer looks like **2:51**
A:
**3:26**
